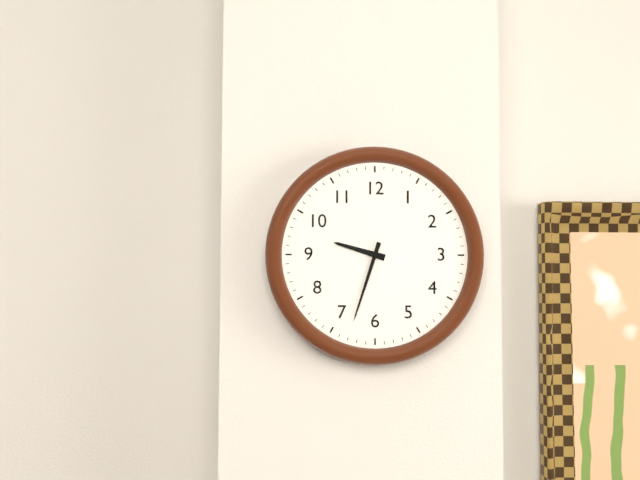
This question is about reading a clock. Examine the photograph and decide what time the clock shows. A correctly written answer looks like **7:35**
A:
**9:33**
